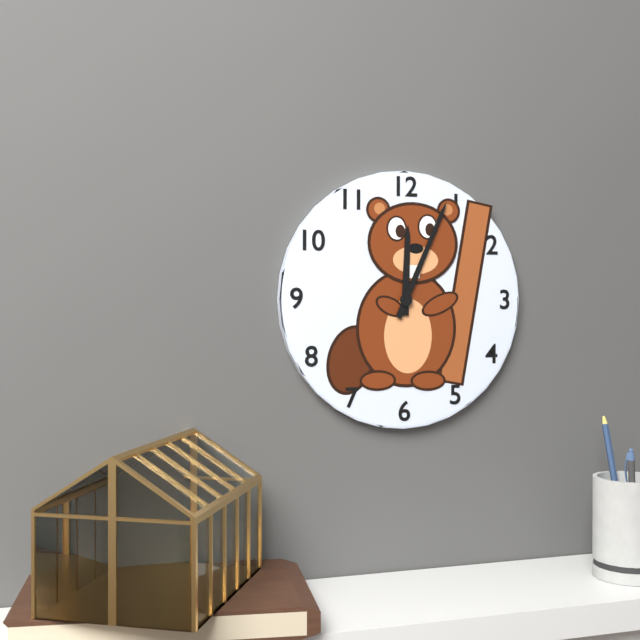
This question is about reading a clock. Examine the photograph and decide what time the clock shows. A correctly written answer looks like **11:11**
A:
**12:04**
